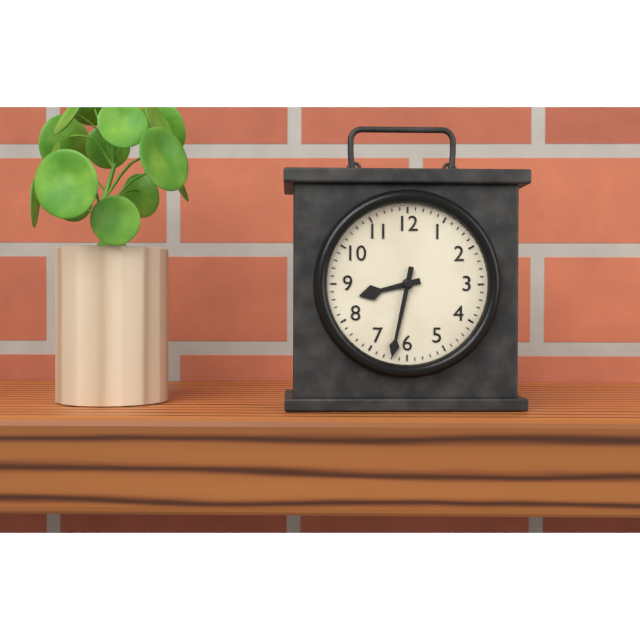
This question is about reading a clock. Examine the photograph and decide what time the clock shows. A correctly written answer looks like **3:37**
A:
**8:32**
